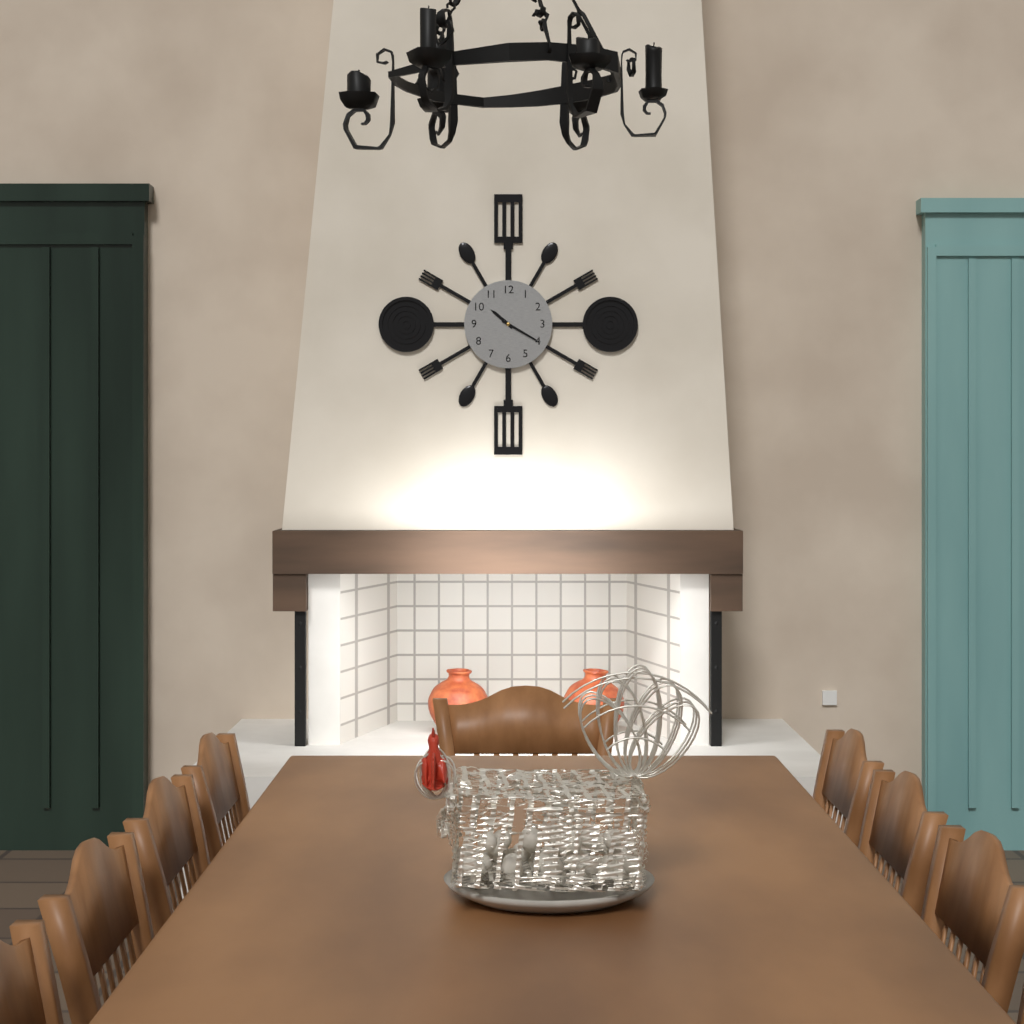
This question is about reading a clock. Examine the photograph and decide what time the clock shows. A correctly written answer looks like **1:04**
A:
**10:20**
